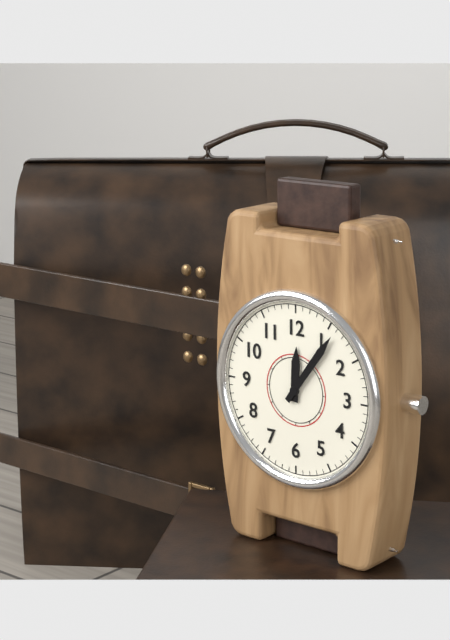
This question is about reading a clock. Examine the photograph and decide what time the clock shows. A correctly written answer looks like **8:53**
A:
**12:06**
